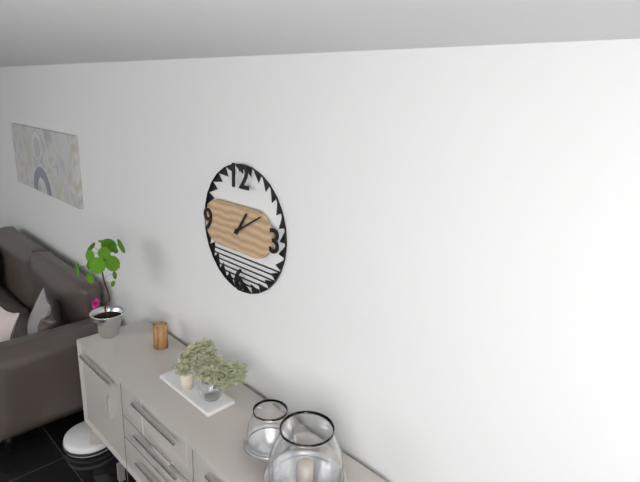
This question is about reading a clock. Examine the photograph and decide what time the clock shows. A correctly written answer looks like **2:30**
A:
**1:10**
